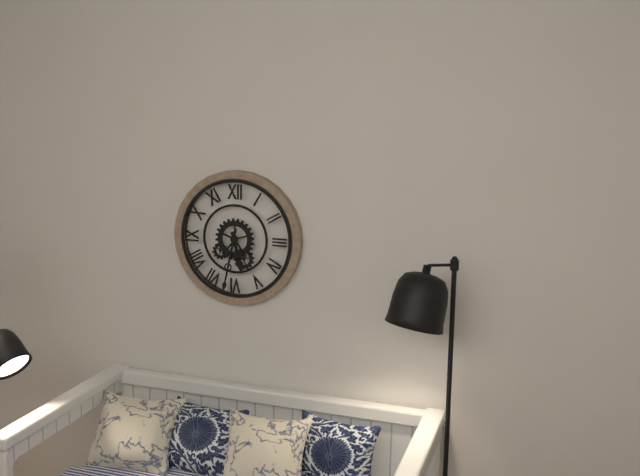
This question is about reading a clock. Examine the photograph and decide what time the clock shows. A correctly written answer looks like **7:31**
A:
**5:32**
